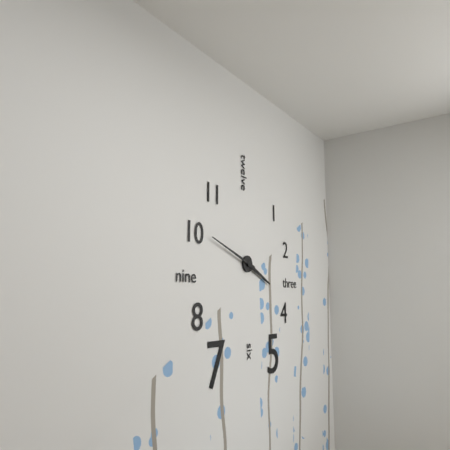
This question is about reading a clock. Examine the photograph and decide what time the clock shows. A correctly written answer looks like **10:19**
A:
**3:48**
